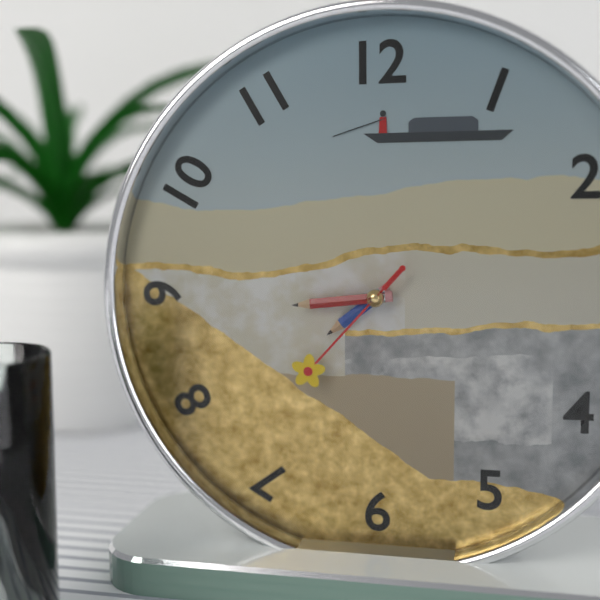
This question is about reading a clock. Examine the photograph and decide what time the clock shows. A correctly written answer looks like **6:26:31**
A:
**7:44:37**
